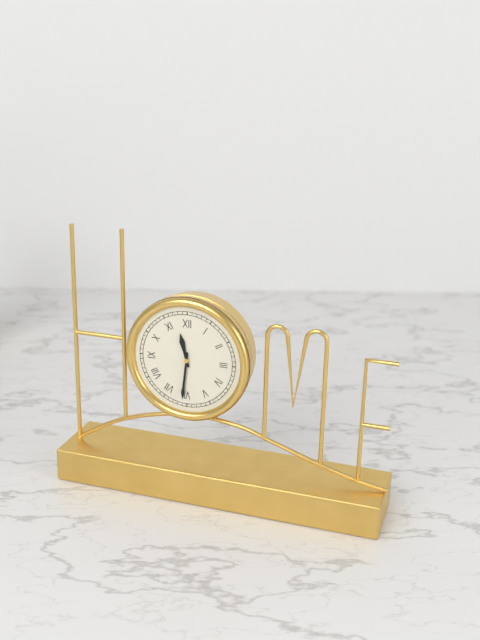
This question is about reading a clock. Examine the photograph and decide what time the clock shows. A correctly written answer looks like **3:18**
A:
**11:31**
